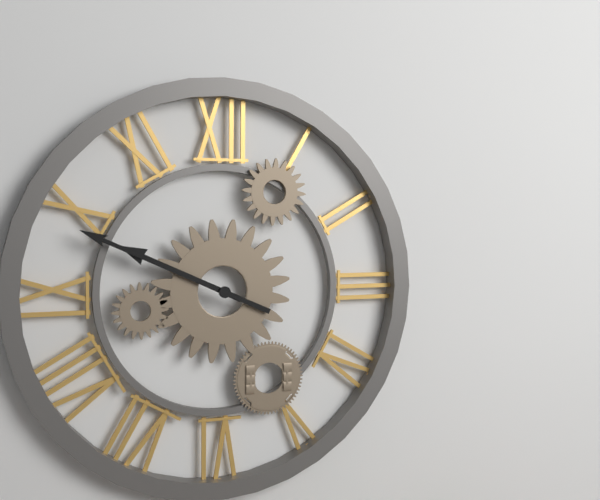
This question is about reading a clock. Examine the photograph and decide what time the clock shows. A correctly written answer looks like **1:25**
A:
**9:49**
